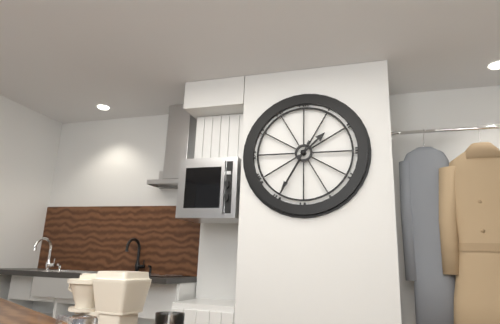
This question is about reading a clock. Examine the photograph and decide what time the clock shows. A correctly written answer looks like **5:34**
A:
**1:35**
